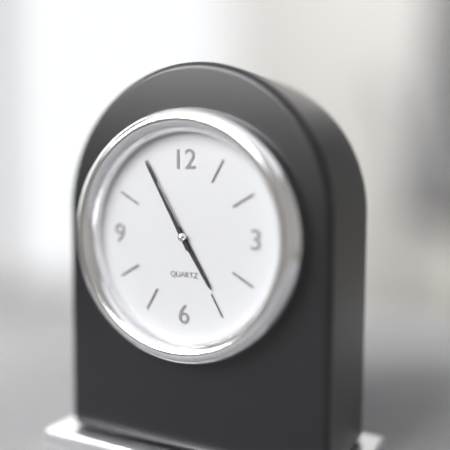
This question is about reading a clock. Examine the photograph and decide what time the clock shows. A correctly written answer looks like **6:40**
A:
**4:55**
